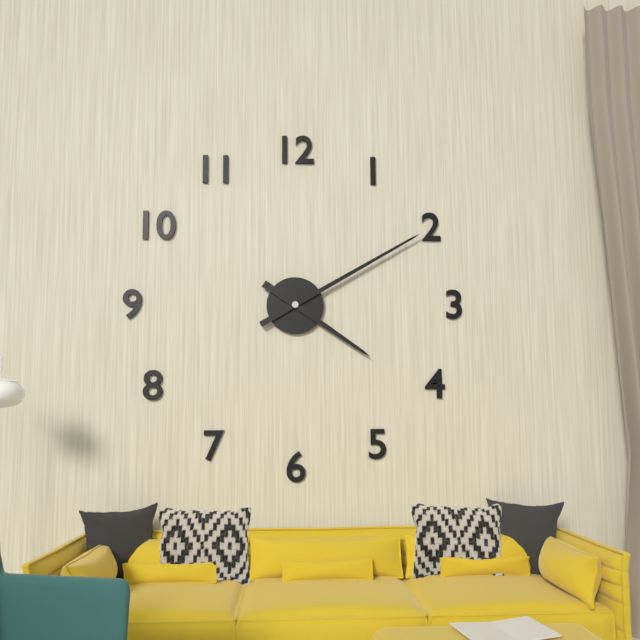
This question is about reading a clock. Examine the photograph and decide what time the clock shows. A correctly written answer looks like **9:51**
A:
**4:10**
